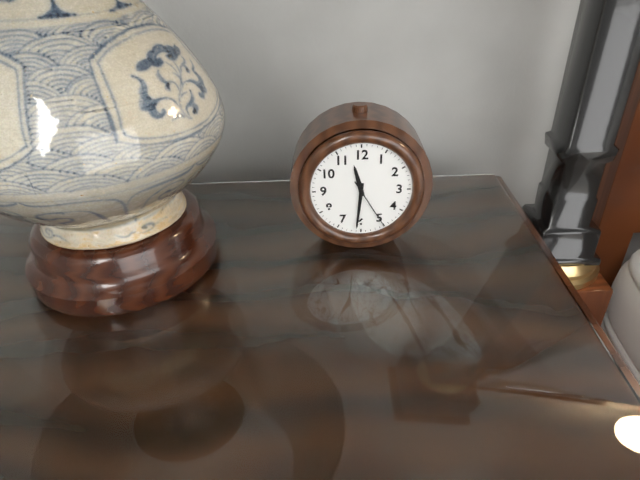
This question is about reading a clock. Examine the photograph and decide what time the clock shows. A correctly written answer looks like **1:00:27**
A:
**11:31:25**
